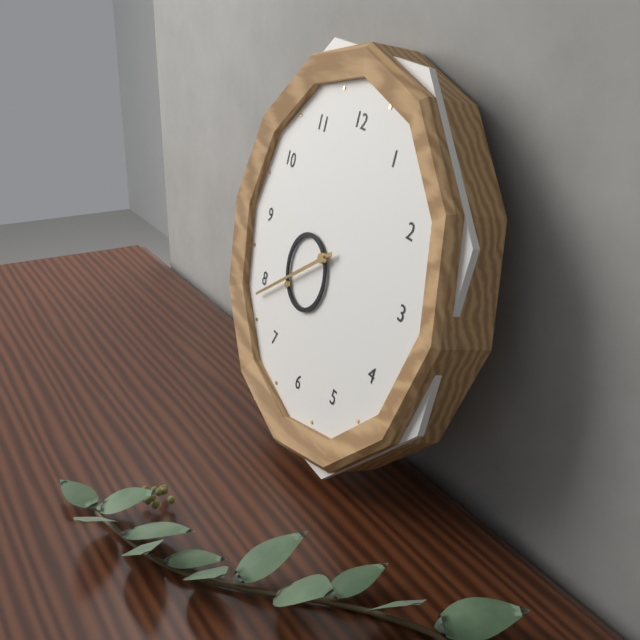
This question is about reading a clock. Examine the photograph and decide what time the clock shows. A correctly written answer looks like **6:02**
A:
**7:39**
